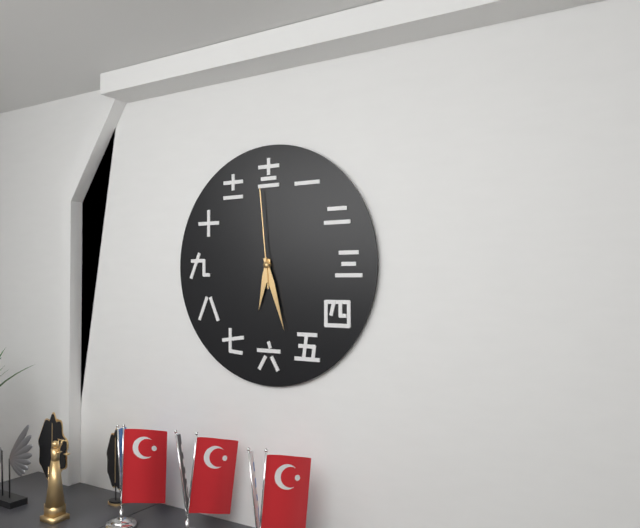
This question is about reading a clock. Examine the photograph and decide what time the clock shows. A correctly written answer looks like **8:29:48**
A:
**6:27:59**
